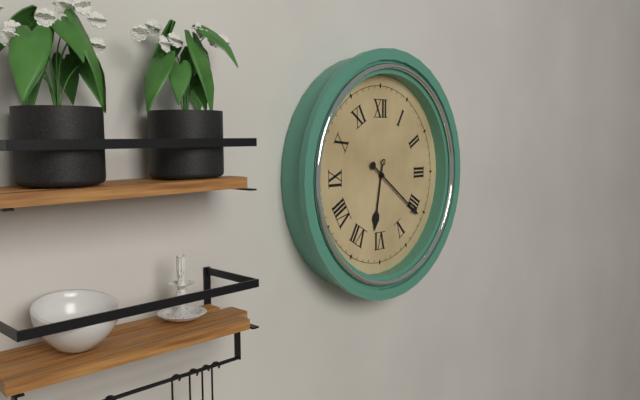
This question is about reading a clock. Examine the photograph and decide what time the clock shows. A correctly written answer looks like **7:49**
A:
**6:21**
